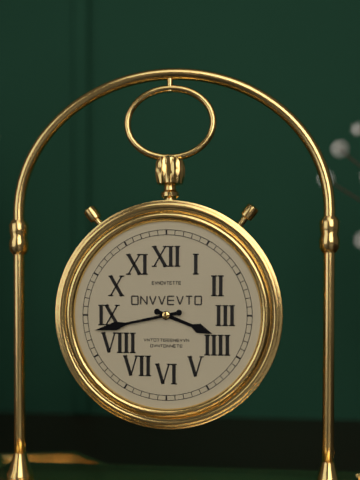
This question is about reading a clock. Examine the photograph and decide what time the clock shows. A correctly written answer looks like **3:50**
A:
**3:43**
